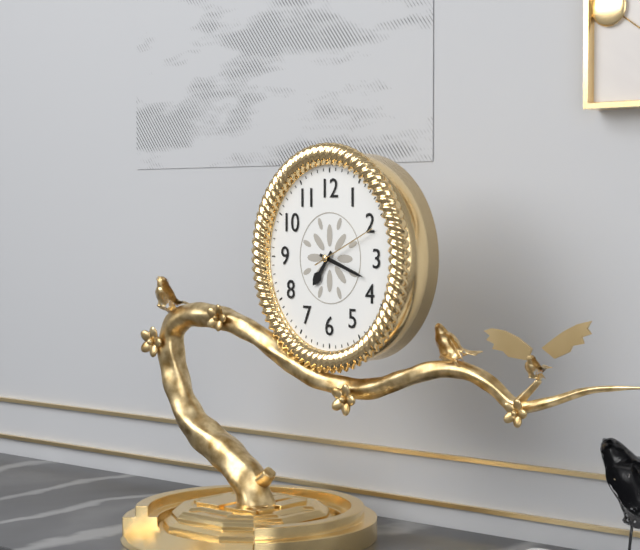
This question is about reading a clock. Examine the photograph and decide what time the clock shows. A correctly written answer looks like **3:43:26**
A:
**7:18:11**
